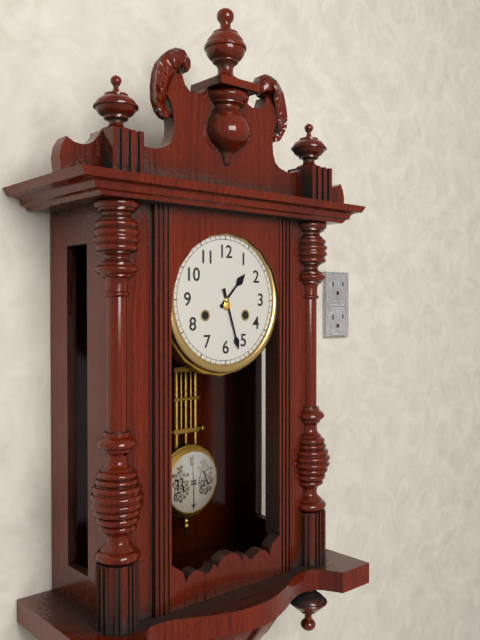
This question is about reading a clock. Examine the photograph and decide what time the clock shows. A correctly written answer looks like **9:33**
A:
**1:27**
